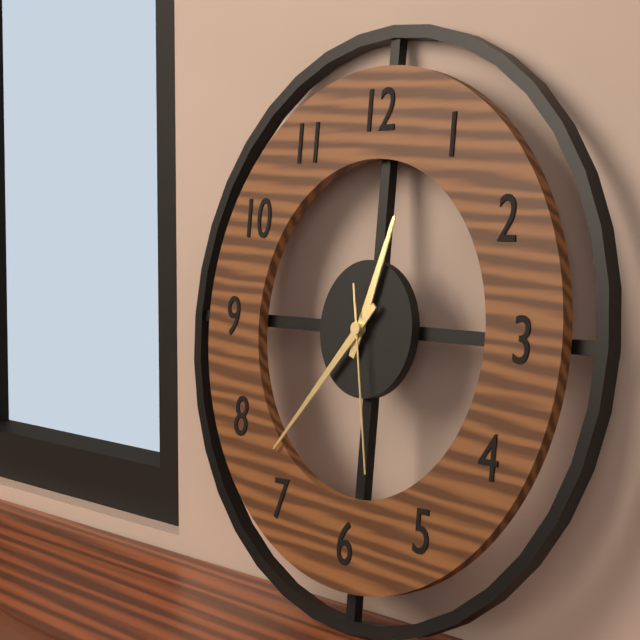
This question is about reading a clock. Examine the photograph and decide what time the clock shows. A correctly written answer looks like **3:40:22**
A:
**12:37:28**
